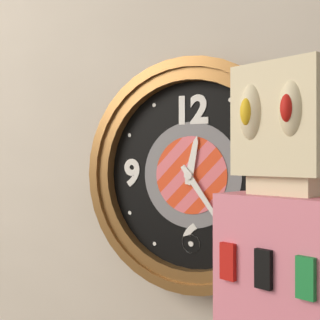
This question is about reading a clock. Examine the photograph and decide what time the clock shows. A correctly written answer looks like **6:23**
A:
**12:24**
